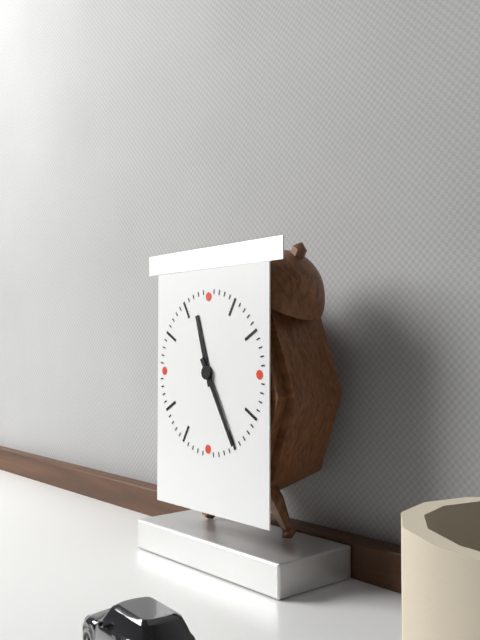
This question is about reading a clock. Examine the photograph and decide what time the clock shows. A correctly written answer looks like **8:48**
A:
**11:25**
